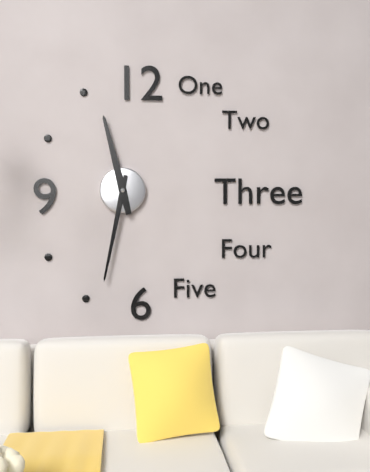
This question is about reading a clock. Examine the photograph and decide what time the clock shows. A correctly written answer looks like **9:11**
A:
**11:32**
